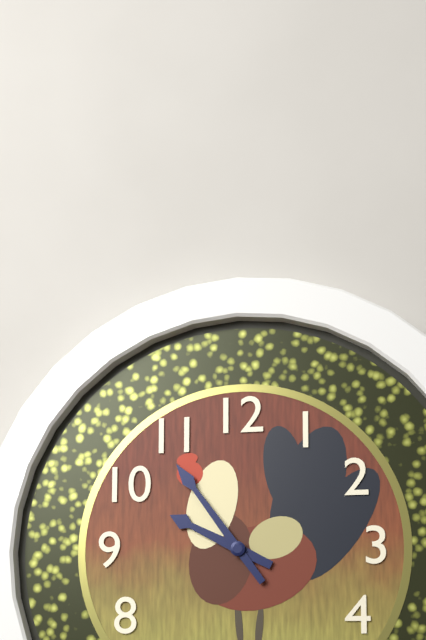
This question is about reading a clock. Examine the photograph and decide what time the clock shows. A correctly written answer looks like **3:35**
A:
**9:54**
